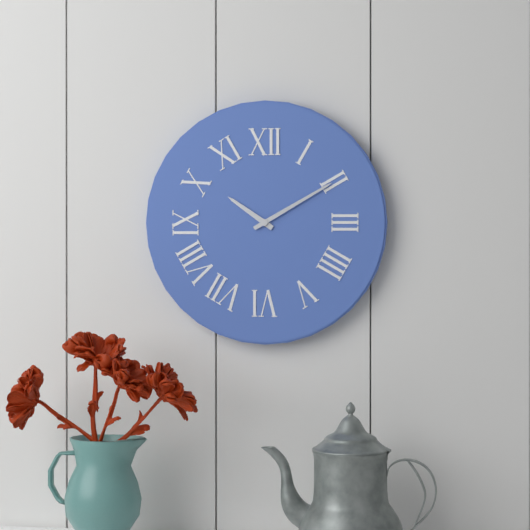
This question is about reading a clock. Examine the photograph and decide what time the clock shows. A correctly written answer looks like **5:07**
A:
**10:10**
